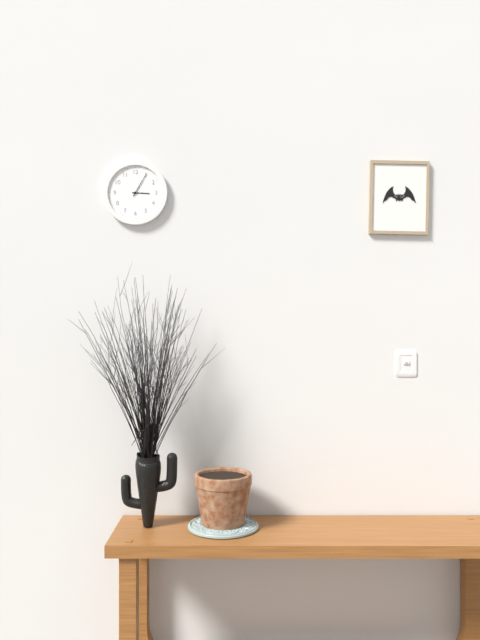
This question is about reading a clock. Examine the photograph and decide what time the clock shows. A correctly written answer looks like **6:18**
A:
**3:05**
